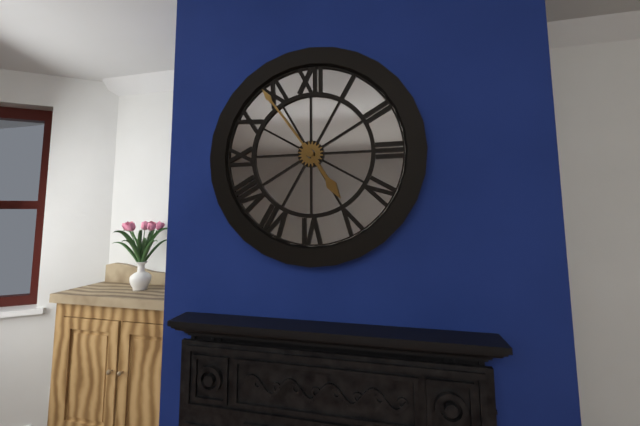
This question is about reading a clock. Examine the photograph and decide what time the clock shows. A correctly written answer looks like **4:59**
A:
**4:54**
